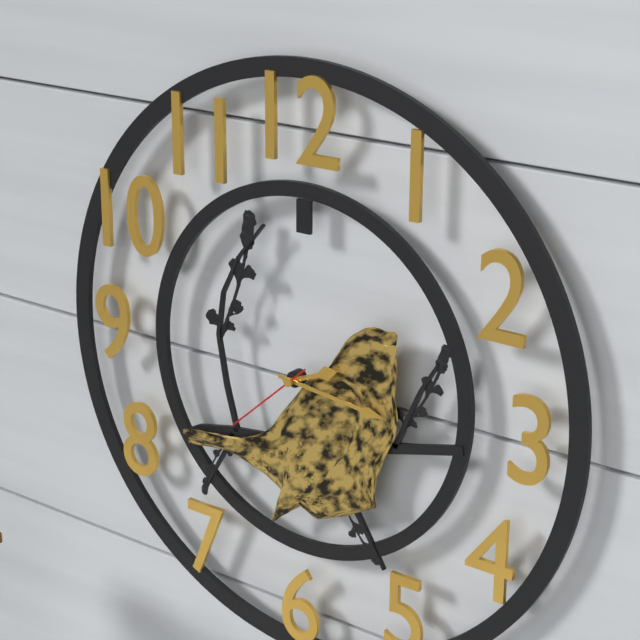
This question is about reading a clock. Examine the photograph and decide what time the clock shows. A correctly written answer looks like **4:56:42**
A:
**2:16:38**
